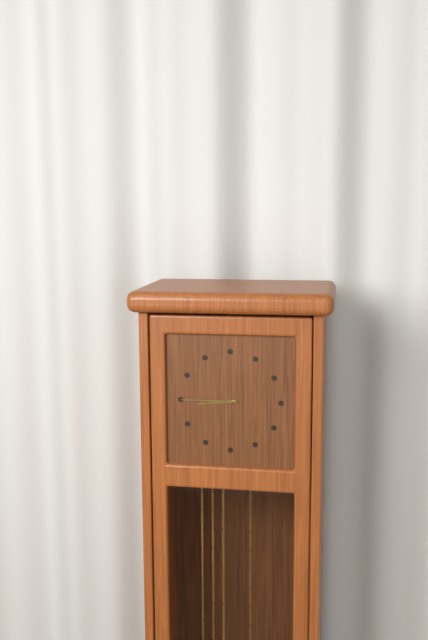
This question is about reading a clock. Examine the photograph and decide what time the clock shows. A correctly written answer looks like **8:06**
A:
**8:45**
